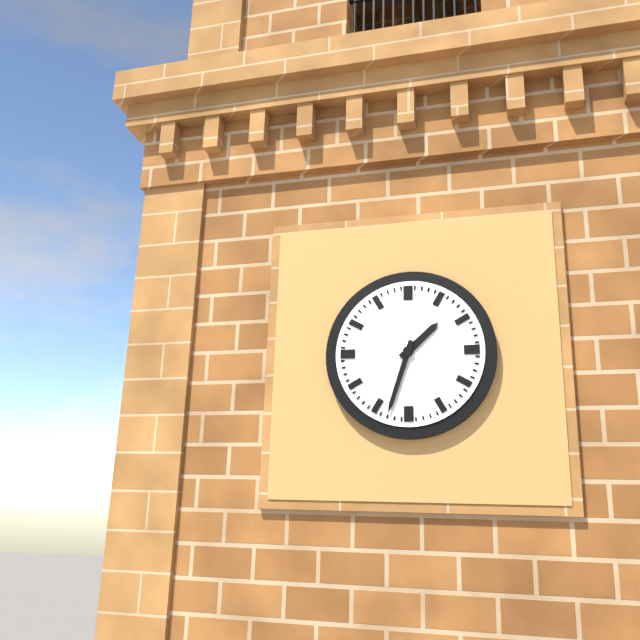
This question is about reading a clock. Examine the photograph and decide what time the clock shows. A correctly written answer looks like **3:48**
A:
**1:33**
